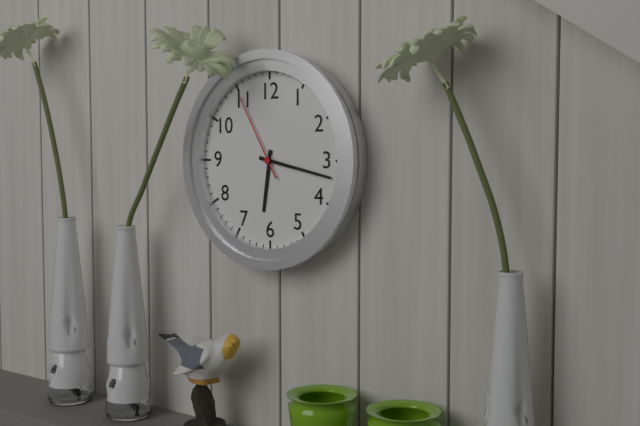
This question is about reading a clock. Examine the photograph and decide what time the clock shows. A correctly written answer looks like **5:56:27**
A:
**6:17:55**
